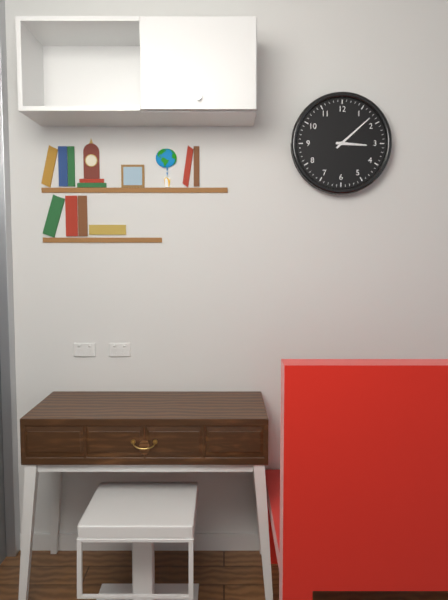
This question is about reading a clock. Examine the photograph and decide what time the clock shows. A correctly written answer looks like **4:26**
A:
**3:08**
